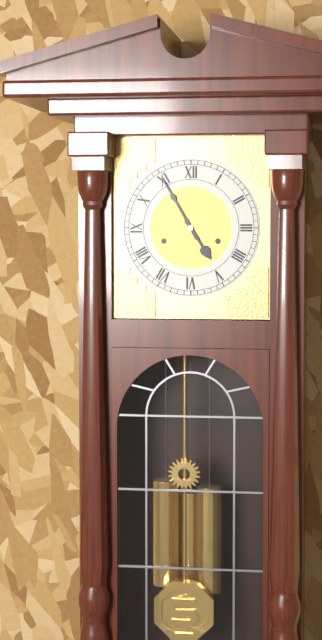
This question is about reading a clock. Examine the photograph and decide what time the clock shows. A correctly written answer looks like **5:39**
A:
**4:55**
